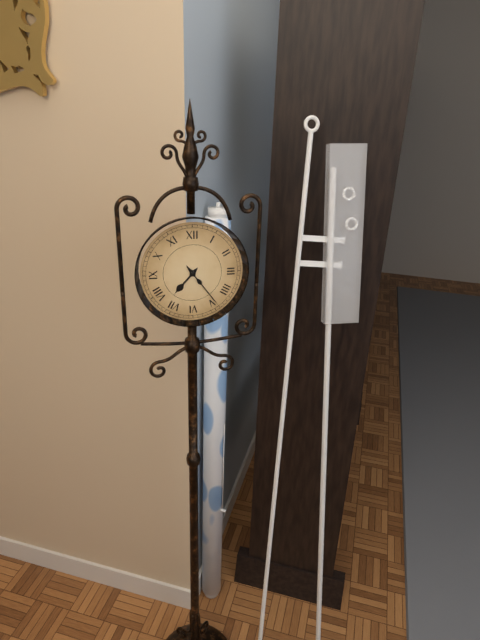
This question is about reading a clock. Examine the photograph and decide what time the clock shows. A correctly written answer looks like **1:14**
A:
**7:24**
